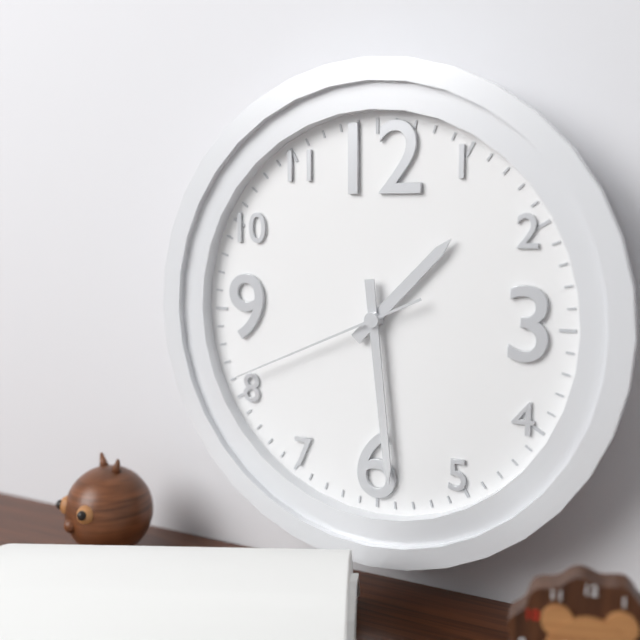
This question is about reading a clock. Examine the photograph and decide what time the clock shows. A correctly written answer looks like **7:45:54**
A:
**1:29:41**
